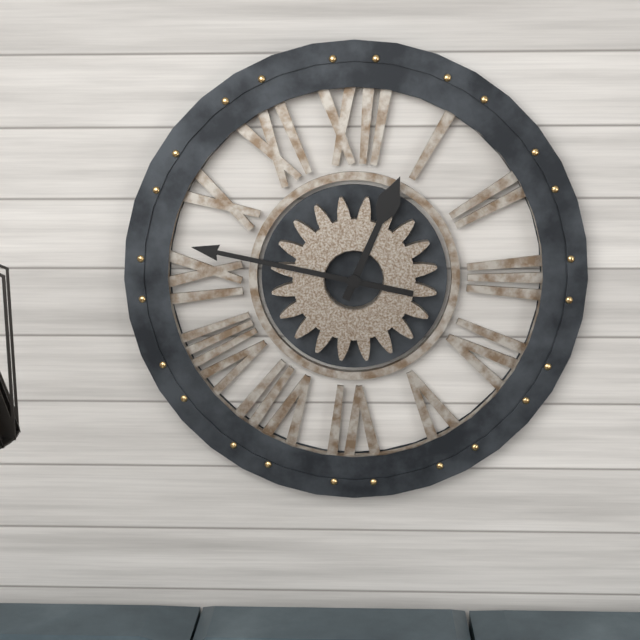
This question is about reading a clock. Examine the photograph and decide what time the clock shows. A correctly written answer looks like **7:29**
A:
**12:47**
